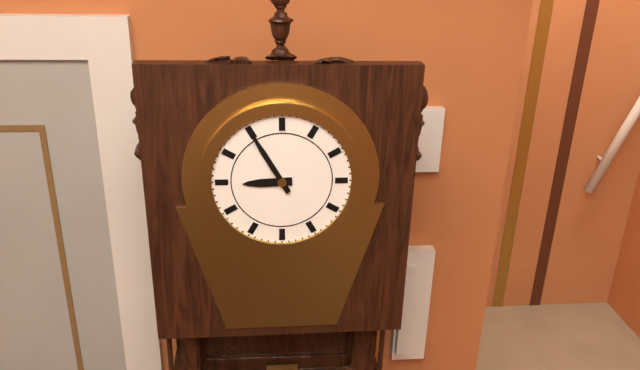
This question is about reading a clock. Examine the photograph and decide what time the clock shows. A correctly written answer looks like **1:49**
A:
**8:55**
